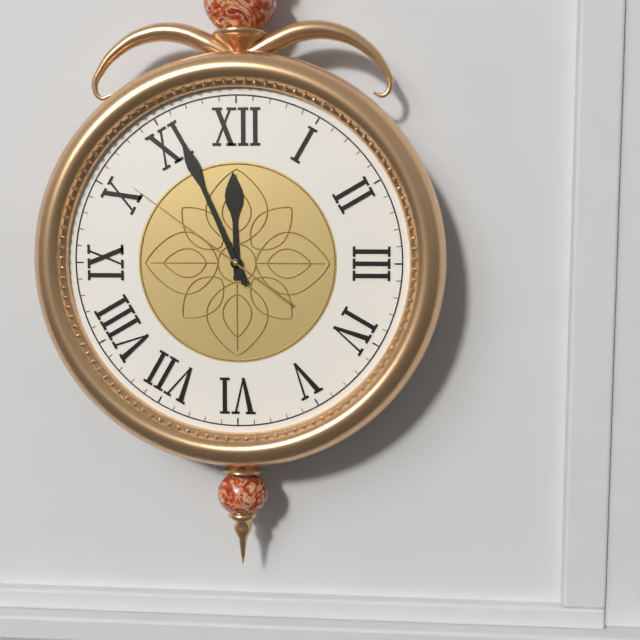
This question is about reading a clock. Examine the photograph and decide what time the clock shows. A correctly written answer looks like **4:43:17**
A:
**11:56:51**
